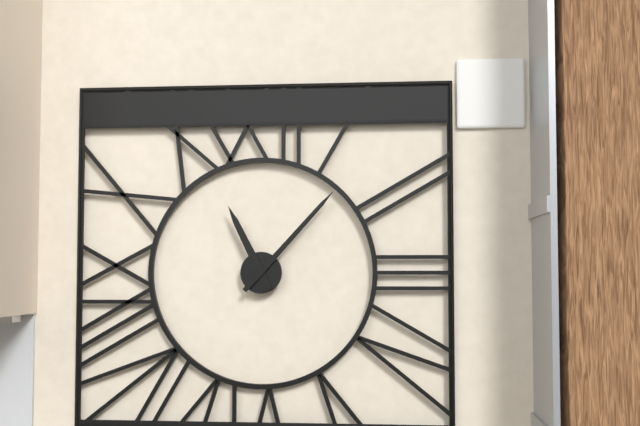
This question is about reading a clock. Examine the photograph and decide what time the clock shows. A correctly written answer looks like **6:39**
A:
**11:07**
